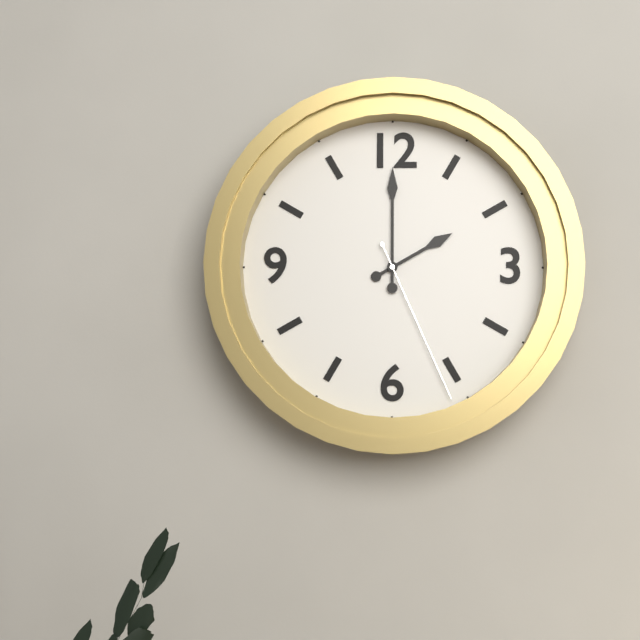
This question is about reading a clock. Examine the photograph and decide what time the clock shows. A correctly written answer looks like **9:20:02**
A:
**2:00:26**
